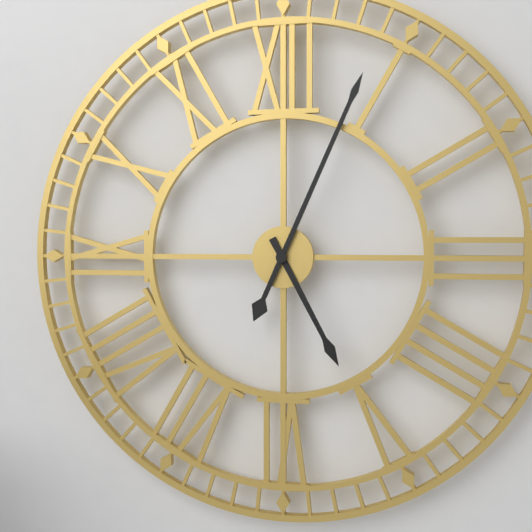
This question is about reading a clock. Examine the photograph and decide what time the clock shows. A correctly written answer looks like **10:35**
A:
**5:04**
